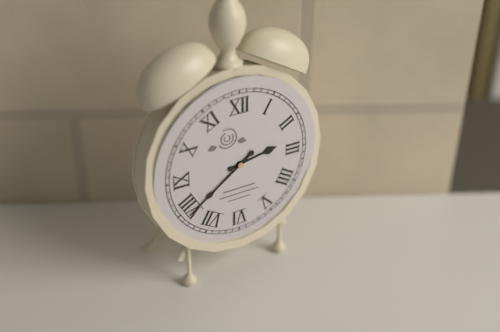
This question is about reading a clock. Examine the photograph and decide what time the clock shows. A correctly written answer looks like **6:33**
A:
**2:39**
